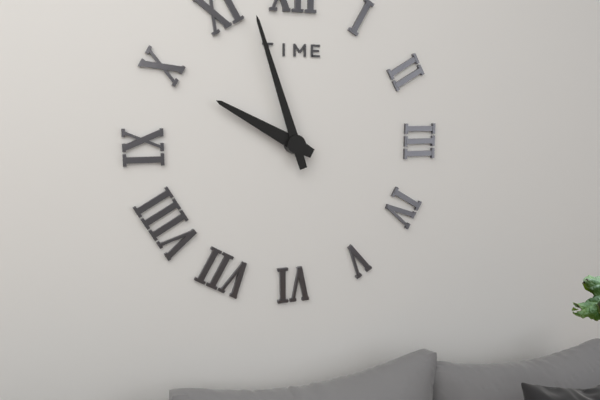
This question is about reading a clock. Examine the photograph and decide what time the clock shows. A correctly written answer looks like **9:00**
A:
**9:57**
